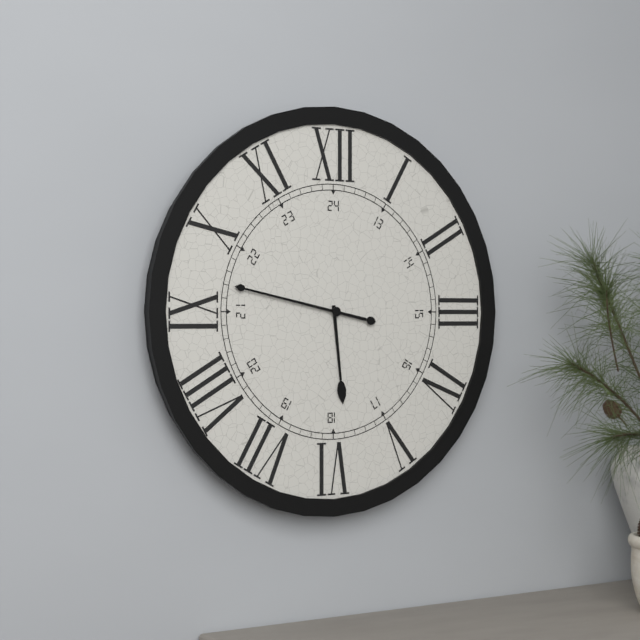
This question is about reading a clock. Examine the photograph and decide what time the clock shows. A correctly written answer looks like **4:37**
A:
**5:47**
